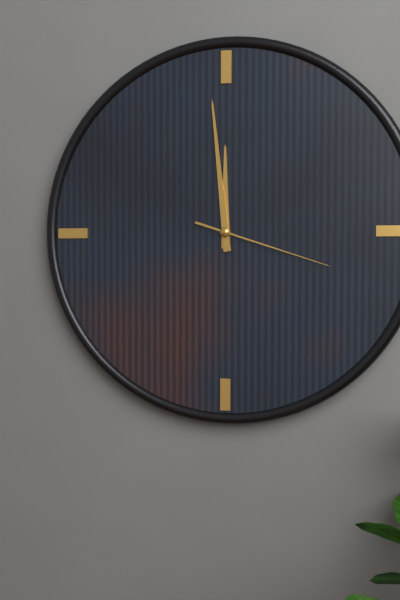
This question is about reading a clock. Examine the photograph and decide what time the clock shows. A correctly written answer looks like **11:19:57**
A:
**11:59:18**
